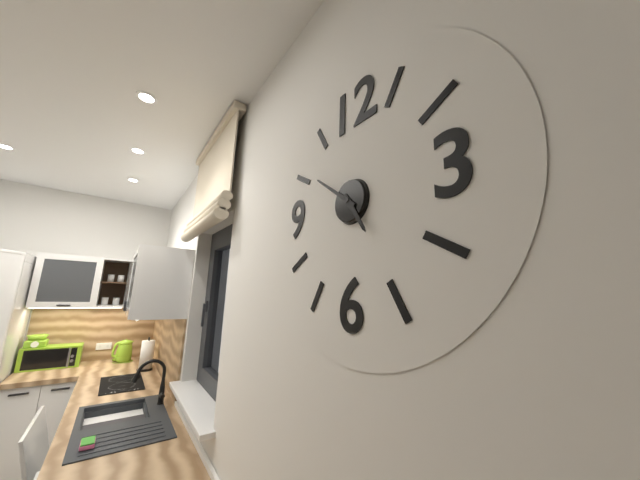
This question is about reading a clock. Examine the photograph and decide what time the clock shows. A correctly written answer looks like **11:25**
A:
**4:51**
